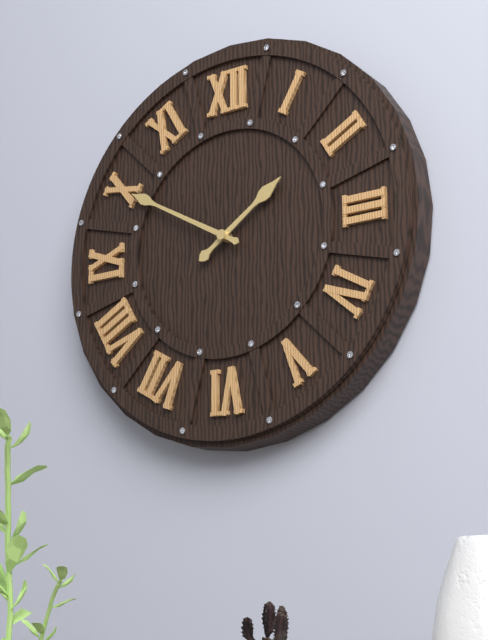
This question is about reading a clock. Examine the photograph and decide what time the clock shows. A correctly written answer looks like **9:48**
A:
**1:50**
